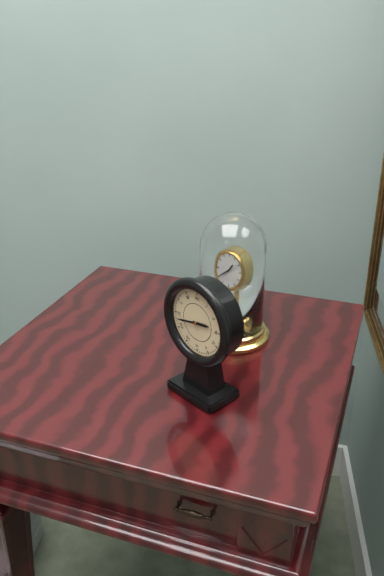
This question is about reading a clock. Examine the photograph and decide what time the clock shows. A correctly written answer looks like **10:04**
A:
**2:43**
